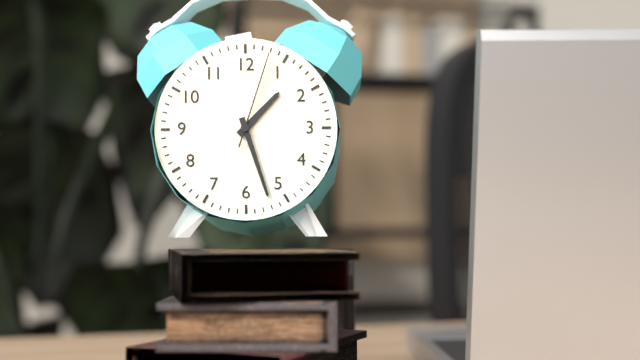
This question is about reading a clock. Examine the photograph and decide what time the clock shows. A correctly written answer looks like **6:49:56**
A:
**1:27:03**
